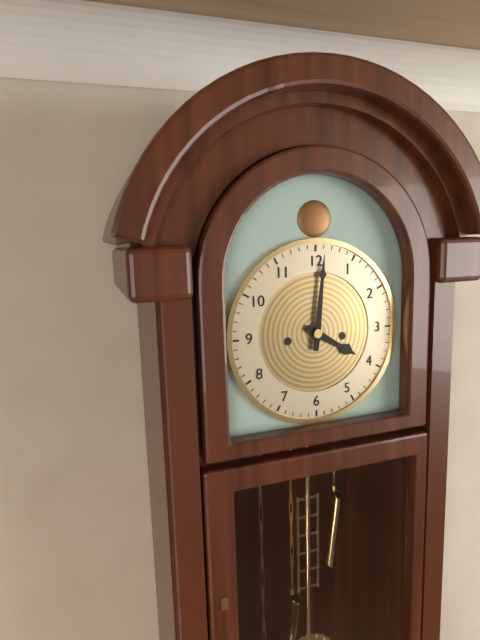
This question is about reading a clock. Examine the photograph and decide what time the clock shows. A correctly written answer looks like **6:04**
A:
**4:01**
